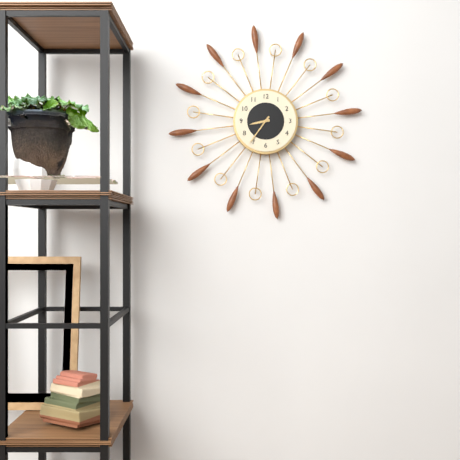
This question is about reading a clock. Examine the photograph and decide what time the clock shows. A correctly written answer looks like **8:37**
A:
**8:36**
